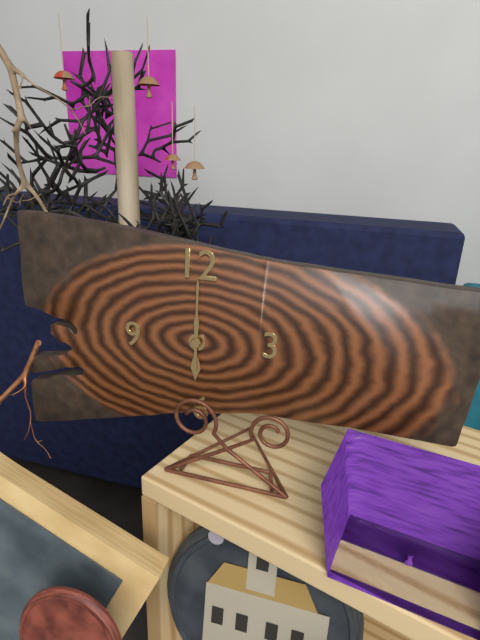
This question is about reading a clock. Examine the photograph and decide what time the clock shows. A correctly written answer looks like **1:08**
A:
**6:00**
